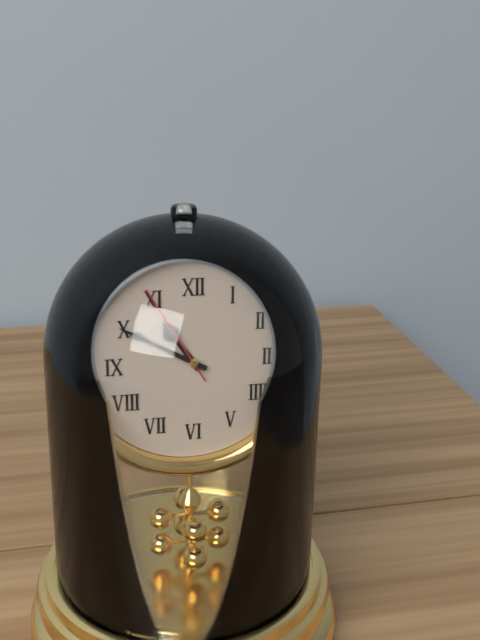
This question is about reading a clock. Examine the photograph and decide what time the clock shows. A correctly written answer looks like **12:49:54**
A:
**10:50:55**
